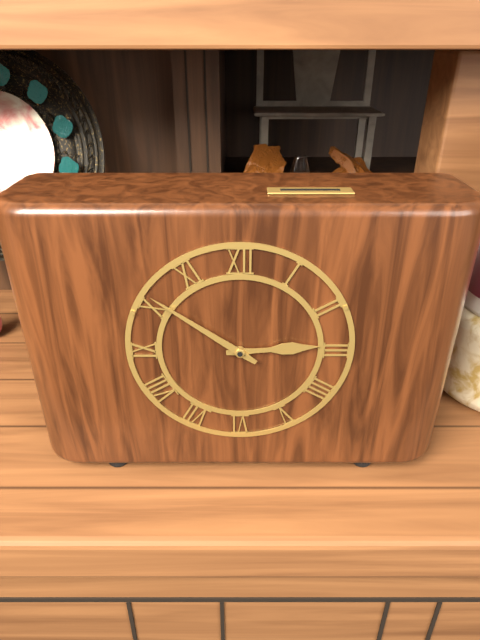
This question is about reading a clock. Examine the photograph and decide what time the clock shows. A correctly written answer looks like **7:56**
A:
**2:51**
